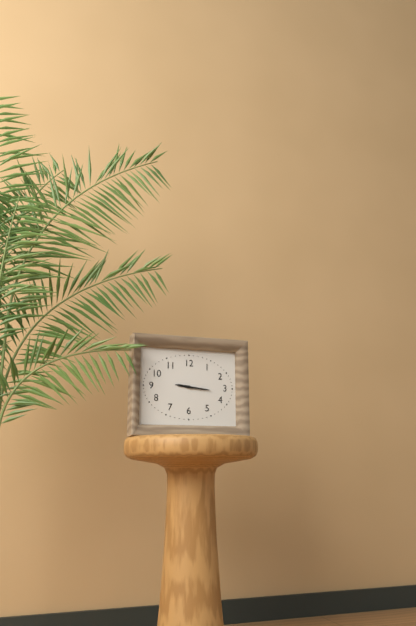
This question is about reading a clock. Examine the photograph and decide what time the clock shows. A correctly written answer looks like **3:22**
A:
**9:16**
